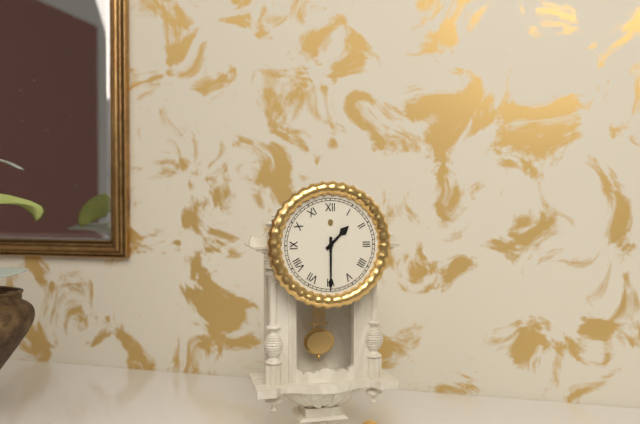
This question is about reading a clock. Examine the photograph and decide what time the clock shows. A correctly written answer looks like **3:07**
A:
**1:30**
